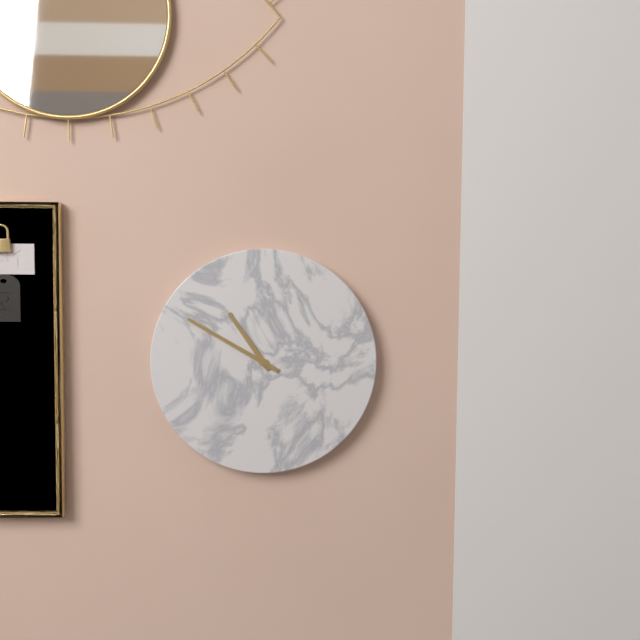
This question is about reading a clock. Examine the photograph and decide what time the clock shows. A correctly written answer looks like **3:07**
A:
**10:50**
